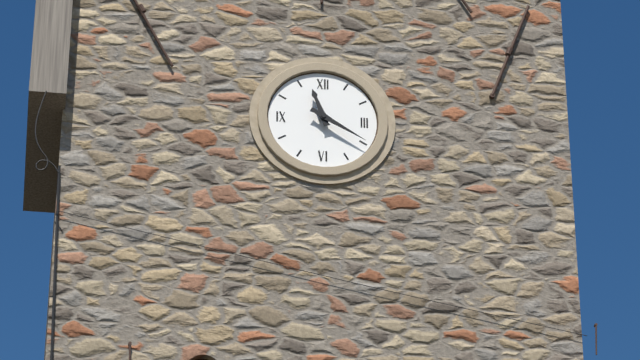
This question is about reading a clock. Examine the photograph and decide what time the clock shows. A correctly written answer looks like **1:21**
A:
**11:20**
